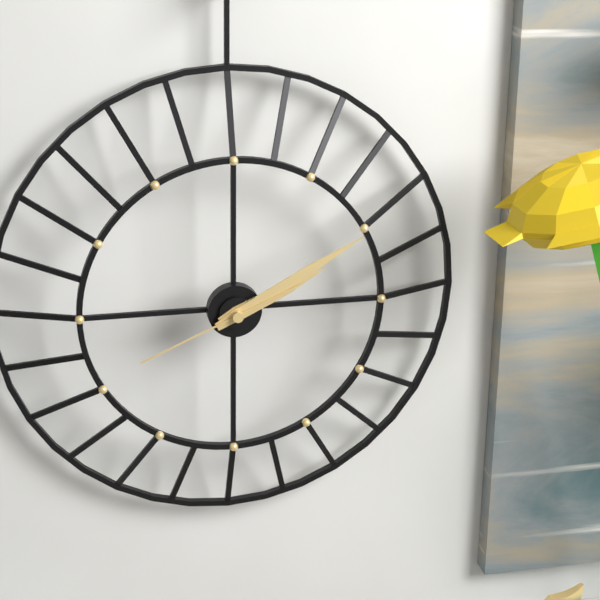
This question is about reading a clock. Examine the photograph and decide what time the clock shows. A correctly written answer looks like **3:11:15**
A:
**2:10:41**
